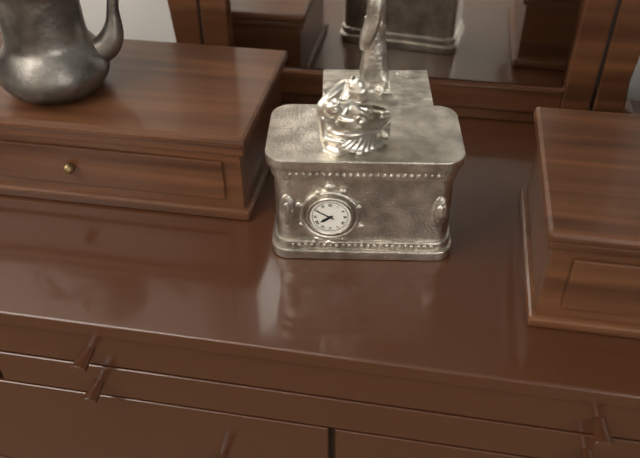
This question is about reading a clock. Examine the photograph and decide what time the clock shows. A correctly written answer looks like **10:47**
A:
**7:50**
